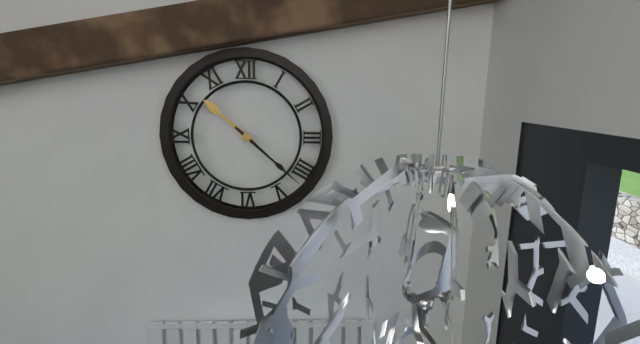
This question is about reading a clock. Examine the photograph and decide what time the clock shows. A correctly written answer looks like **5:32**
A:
**10:22**
